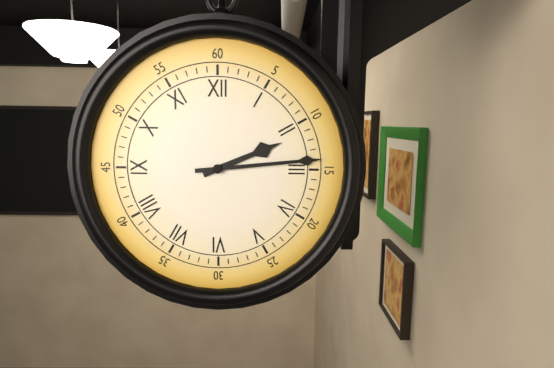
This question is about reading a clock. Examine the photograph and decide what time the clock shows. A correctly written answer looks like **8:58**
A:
**2:14**
